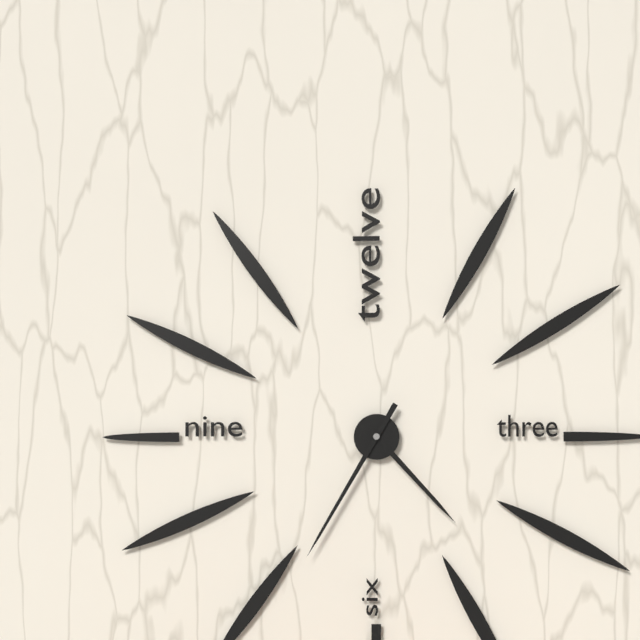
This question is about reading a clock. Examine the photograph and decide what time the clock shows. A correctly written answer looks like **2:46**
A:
**4:35**
